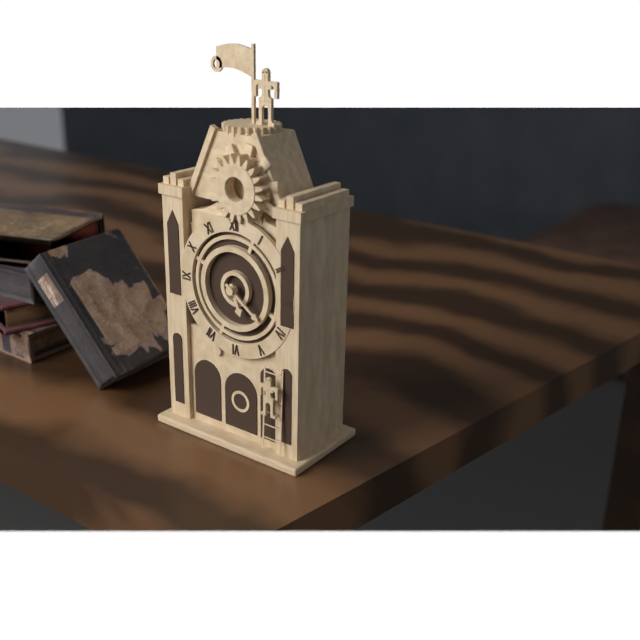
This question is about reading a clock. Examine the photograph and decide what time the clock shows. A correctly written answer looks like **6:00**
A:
**5:21**
